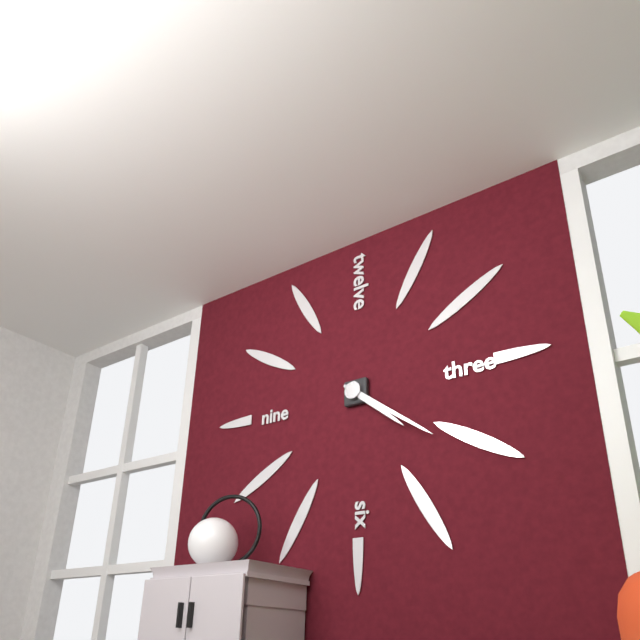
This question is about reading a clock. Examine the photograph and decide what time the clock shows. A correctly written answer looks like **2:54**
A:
**4:21**
